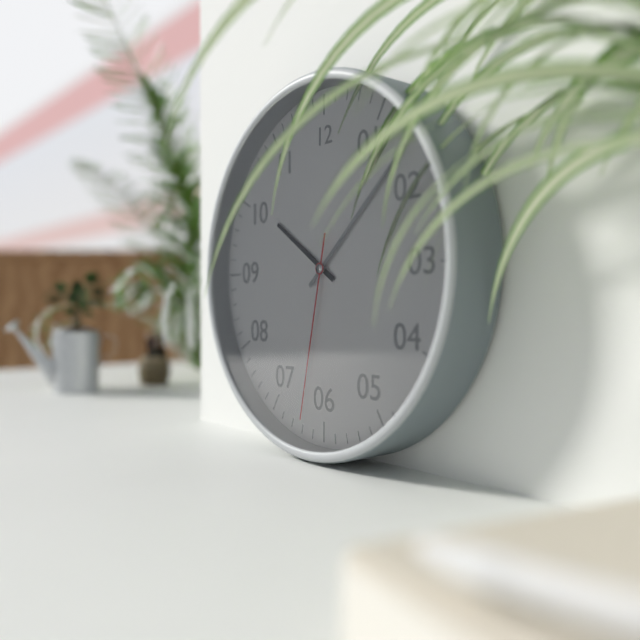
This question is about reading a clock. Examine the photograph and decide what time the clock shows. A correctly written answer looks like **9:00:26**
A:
**10:08:32**
